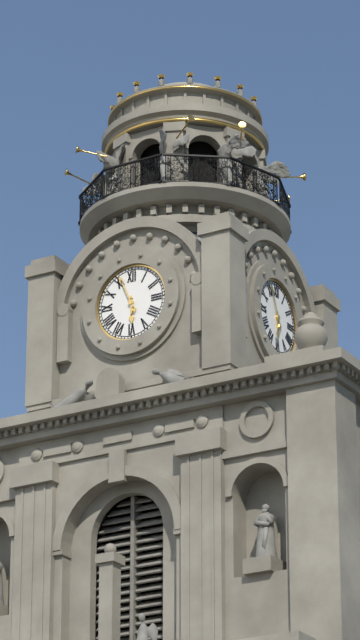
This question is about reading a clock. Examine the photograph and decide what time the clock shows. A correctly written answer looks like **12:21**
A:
**5:56**
